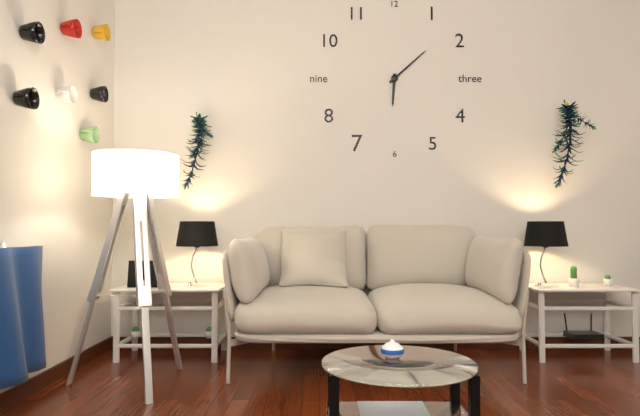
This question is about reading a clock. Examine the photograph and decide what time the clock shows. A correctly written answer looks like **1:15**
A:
**6:08**
